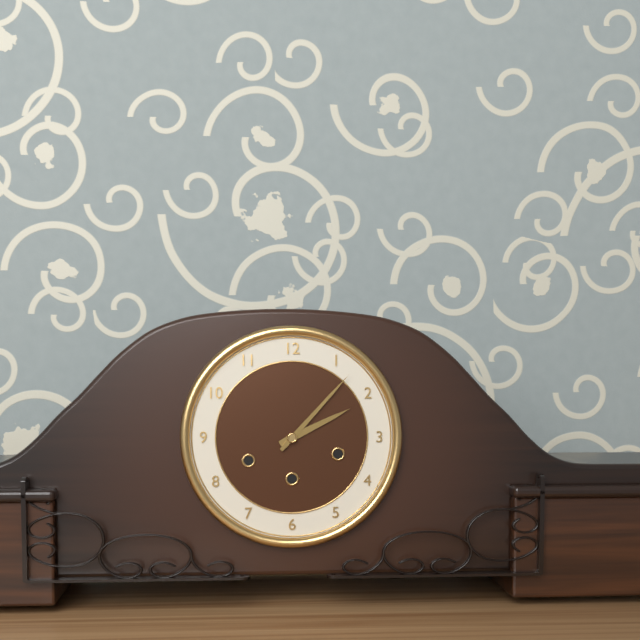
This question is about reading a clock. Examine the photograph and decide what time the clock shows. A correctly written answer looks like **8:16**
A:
**2:07**
